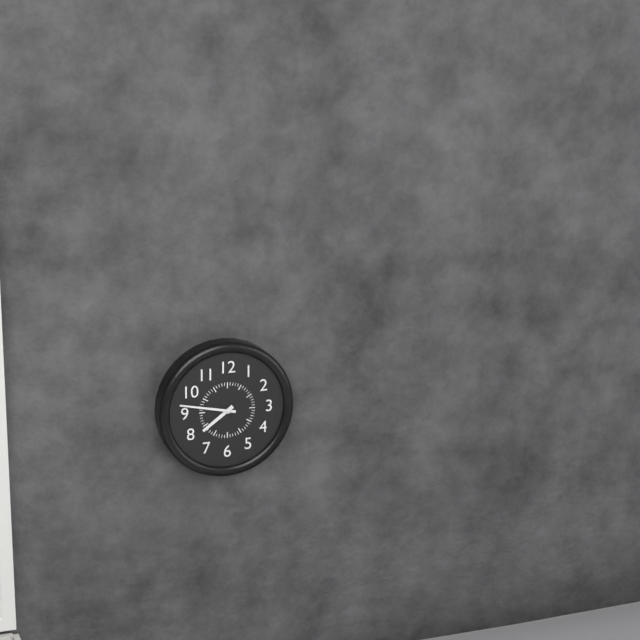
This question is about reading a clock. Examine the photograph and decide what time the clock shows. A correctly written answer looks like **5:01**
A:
**7:47**
